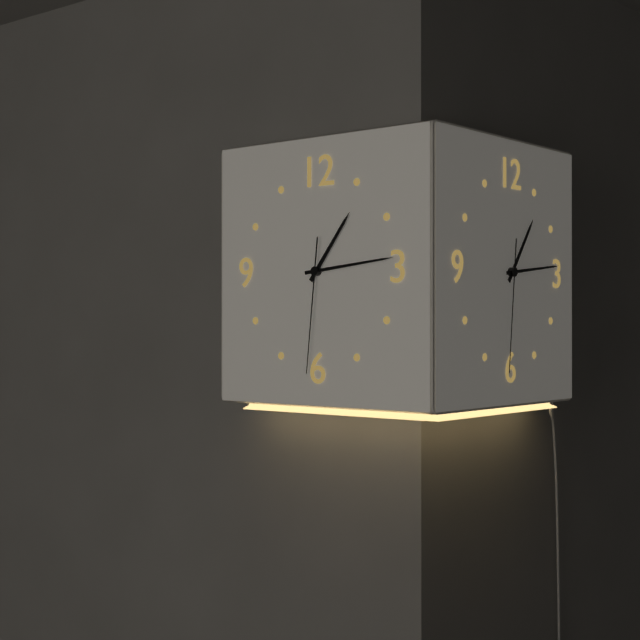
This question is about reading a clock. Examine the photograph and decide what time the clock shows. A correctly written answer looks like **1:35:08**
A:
**1:14:31**
